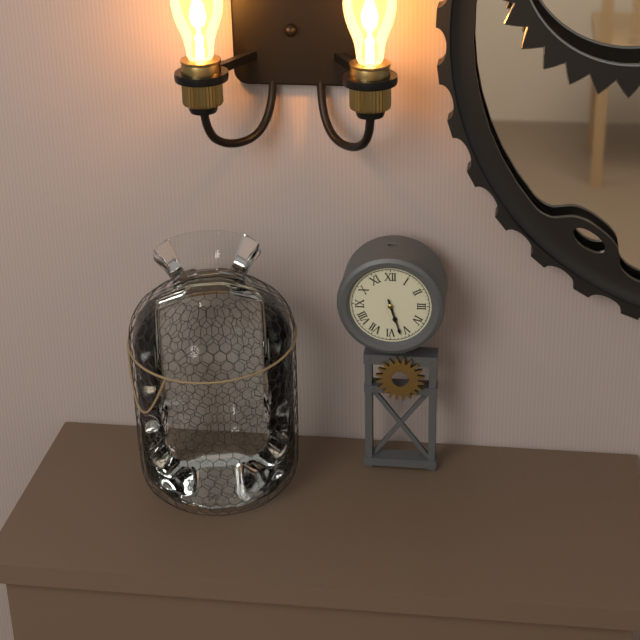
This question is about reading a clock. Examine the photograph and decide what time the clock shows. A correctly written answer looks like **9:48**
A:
**5:27**
